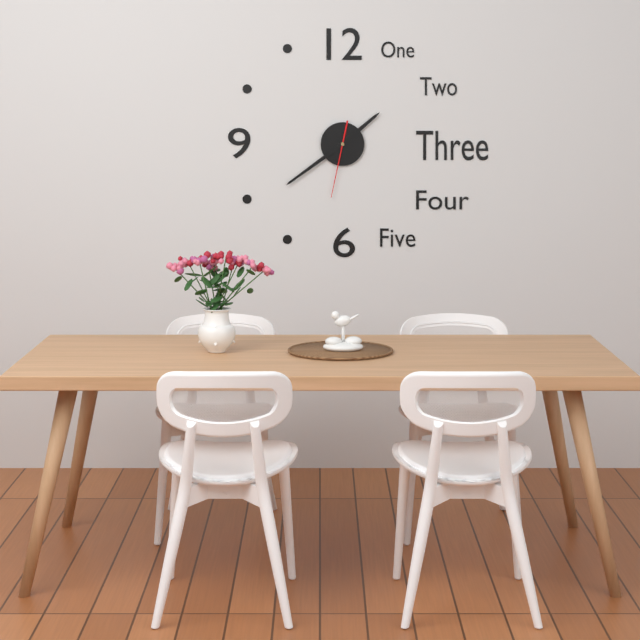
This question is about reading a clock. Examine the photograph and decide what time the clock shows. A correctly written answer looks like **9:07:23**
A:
**1:39:32**
